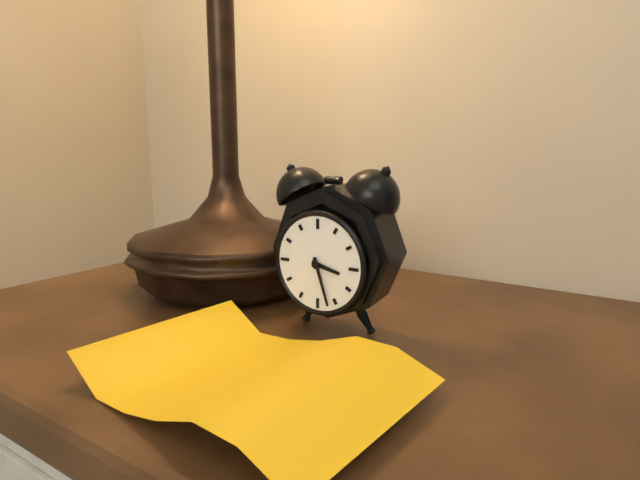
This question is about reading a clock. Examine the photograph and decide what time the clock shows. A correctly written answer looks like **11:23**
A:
**3:27**
